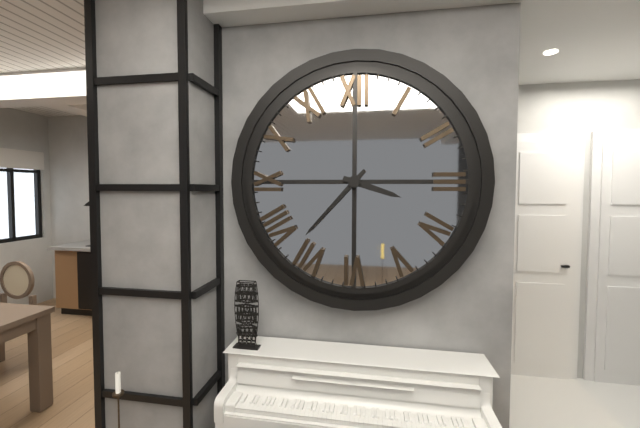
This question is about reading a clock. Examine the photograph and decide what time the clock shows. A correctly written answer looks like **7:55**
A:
**3:37**
